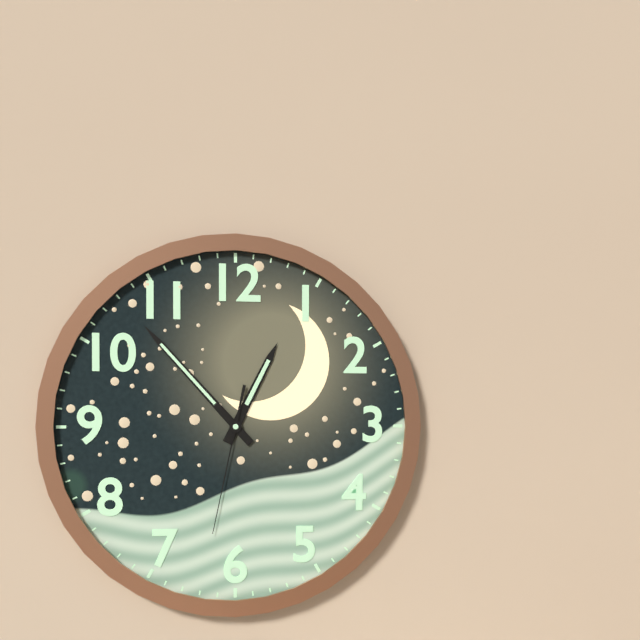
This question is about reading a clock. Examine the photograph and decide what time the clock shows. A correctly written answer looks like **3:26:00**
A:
**12:53:32**
